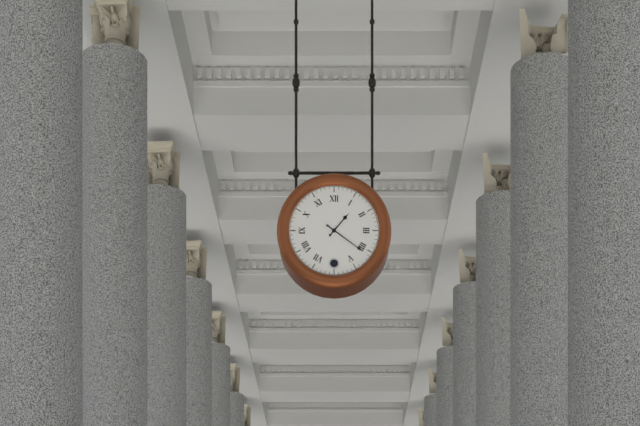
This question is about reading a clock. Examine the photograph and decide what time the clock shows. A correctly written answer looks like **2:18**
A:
**1:21**
